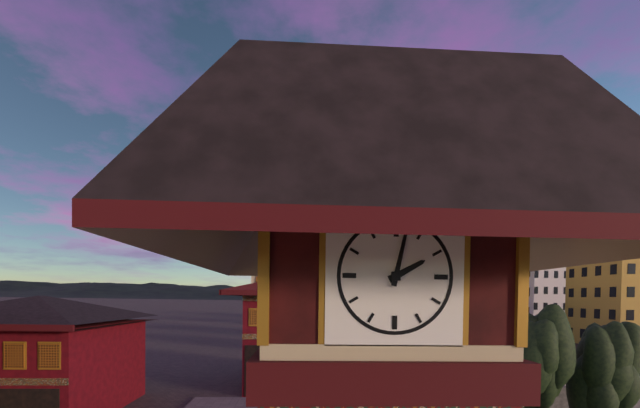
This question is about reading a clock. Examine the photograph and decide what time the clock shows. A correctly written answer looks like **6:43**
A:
**2:02**
